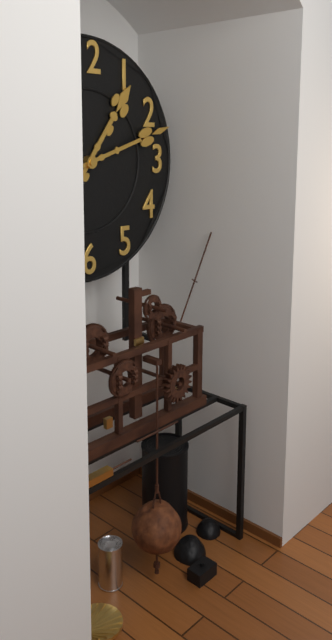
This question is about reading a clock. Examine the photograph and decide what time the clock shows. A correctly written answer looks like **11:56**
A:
**1:12**
